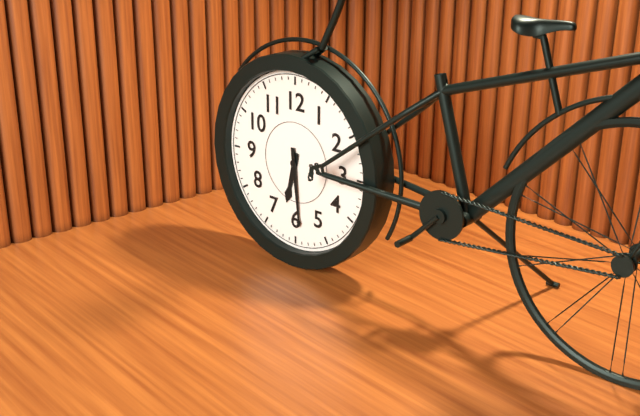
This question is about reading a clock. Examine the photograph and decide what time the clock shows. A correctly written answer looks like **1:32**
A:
**6:29**
